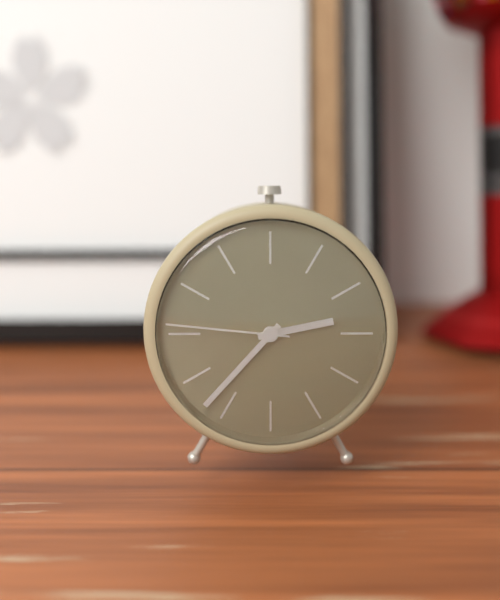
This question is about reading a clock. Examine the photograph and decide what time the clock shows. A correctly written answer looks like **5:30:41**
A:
**2:37:46**
